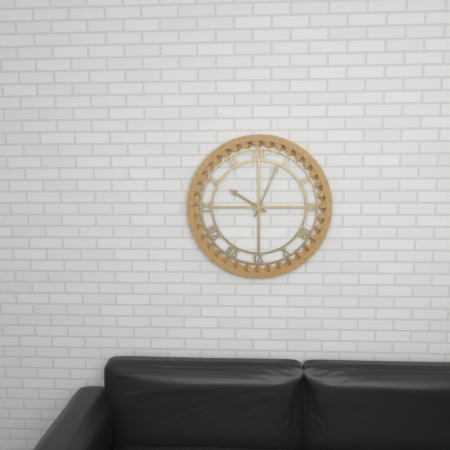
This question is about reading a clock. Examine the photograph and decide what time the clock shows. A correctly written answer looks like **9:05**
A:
**10:04**
